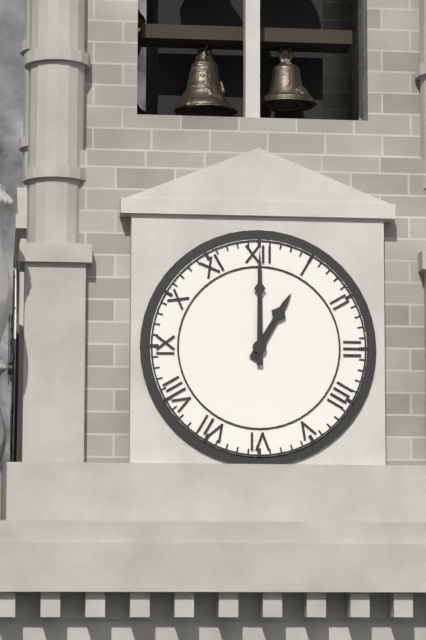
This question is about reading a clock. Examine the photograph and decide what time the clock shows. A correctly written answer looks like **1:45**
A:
**1:00**
